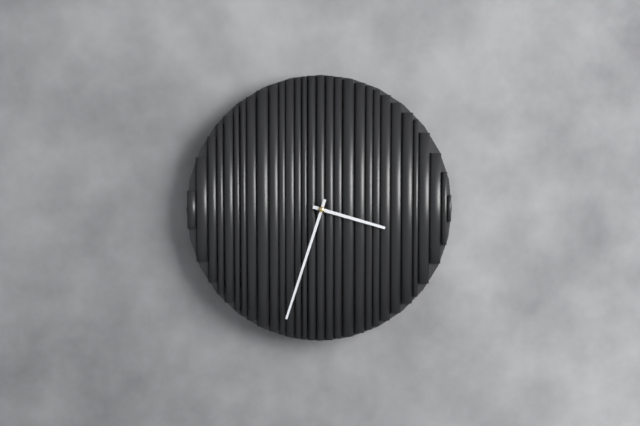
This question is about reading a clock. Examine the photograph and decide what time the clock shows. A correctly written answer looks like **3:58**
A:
**3:33**
